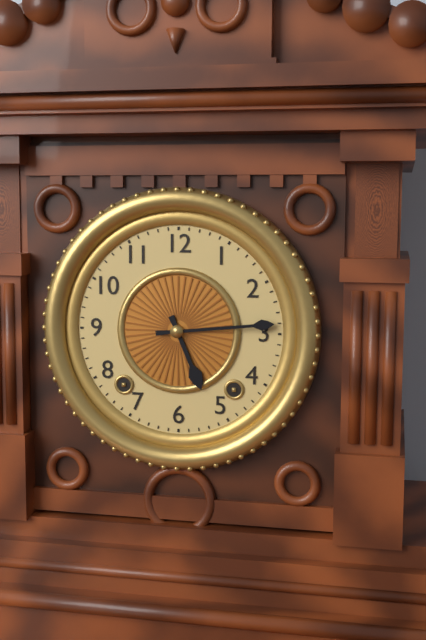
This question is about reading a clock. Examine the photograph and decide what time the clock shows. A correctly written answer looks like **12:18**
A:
**5:14**
